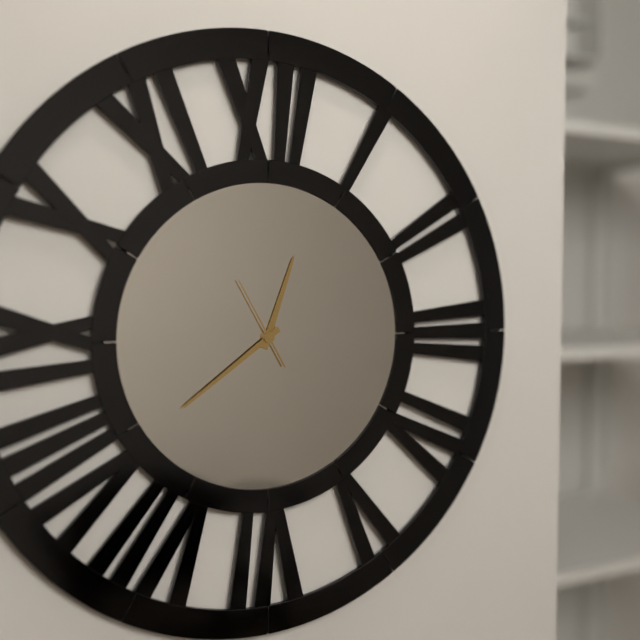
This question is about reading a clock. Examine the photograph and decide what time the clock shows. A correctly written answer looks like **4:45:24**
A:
**12:39:55**
